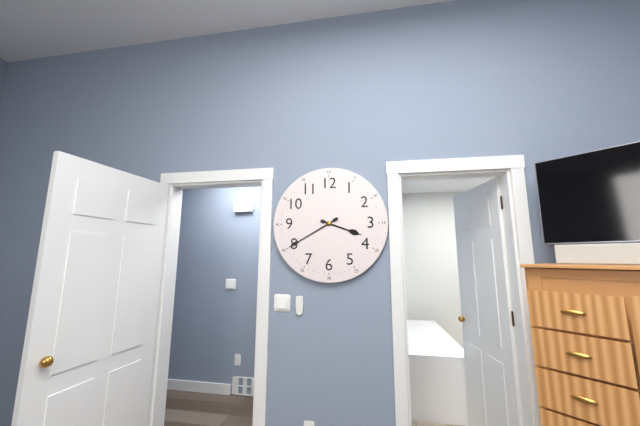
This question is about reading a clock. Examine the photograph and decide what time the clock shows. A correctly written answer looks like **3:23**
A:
**3:40**
